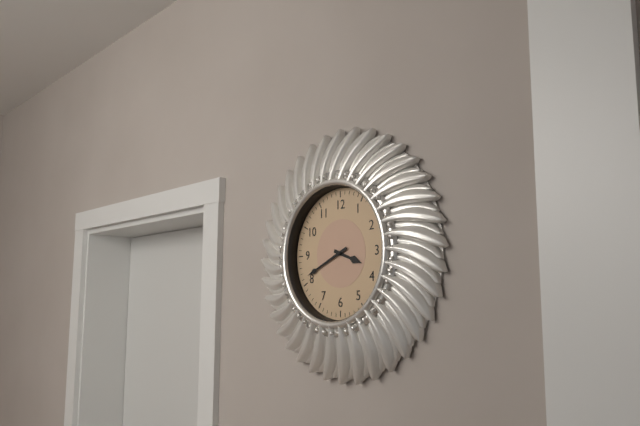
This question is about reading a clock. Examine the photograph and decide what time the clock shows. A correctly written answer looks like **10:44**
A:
**3:41**
